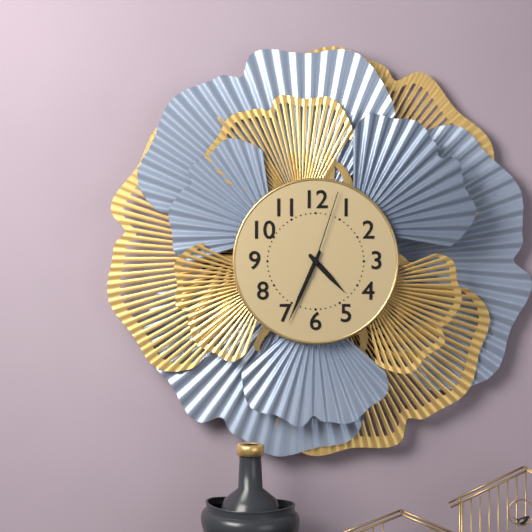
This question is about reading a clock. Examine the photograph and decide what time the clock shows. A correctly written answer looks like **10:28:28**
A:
**4:34:03**
